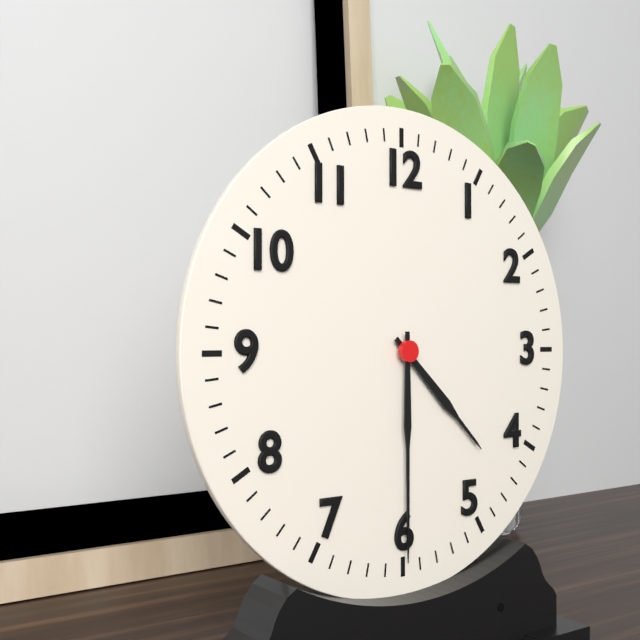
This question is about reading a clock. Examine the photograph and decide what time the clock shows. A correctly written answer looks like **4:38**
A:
**4:30**
